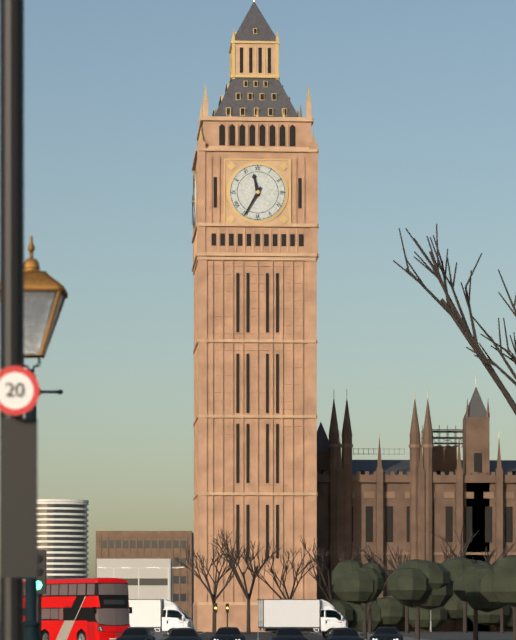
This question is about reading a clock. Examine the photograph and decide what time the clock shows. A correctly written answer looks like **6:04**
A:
**11:35**
